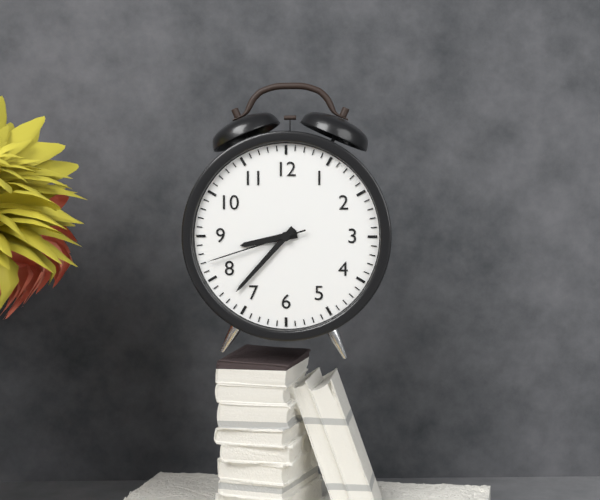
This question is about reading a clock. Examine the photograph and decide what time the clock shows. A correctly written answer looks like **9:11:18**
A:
**8:37:42**
